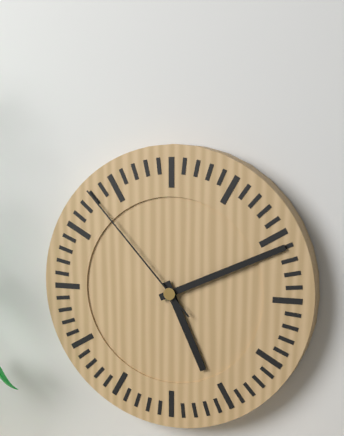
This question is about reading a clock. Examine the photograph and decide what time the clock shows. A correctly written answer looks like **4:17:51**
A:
**5:11:53**
